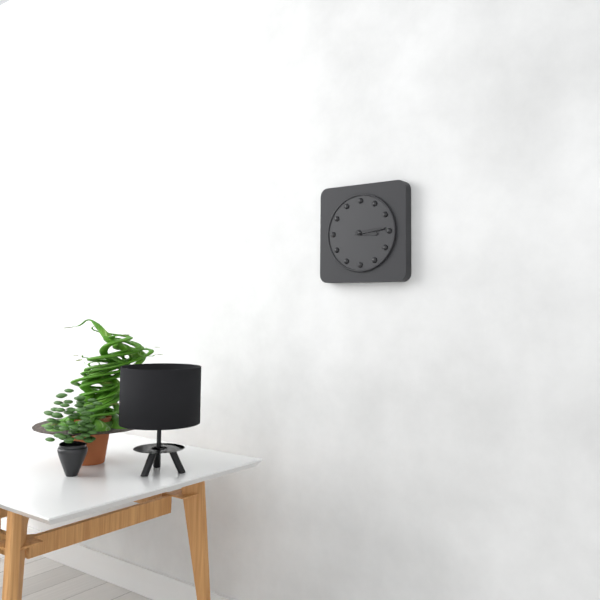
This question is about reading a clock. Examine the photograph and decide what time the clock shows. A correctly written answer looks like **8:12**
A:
**3:14**
